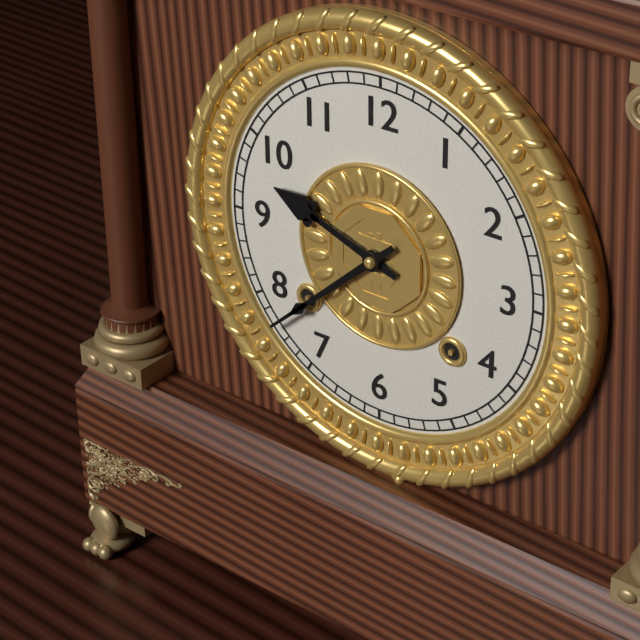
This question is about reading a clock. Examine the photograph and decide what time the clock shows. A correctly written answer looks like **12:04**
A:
**9:38**
